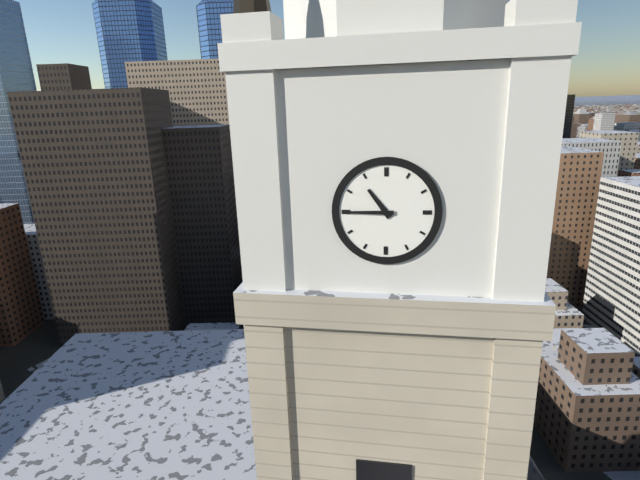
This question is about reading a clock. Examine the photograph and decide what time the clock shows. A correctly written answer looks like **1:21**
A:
**10:45**
